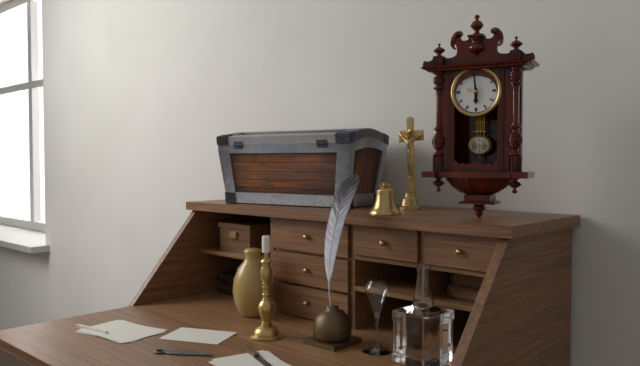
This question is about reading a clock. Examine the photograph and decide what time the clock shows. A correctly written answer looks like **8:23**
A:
**5:59**
